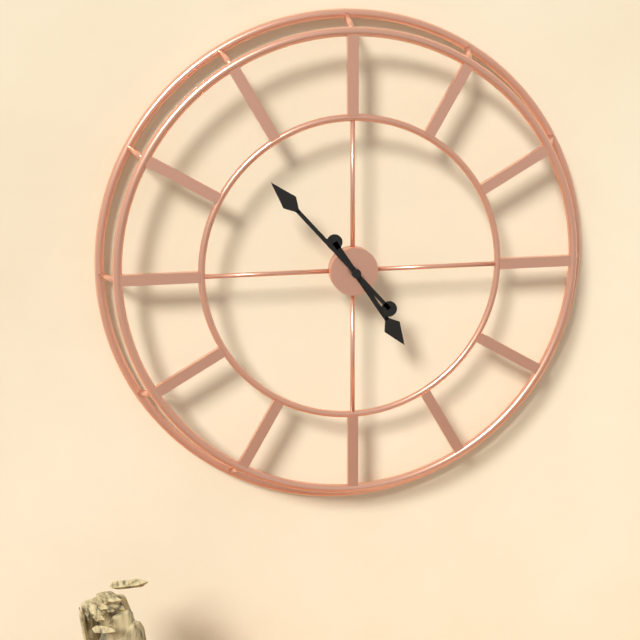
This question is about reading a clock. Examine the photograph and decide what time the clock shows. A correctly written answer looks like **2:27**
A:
**4:53**
